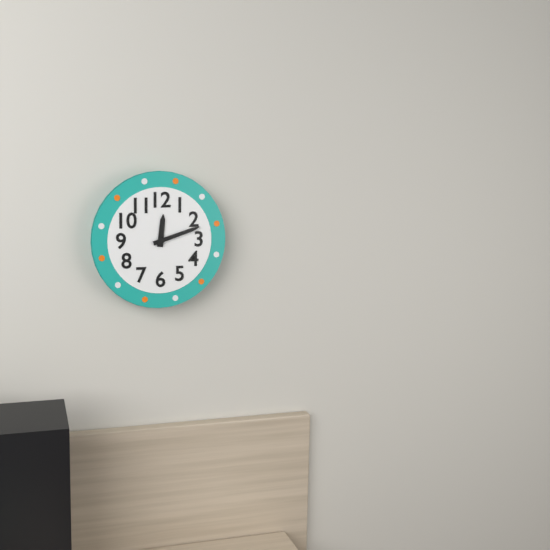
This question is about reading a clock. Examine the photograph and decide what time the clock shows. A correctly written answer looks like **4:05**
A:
**12:12**
